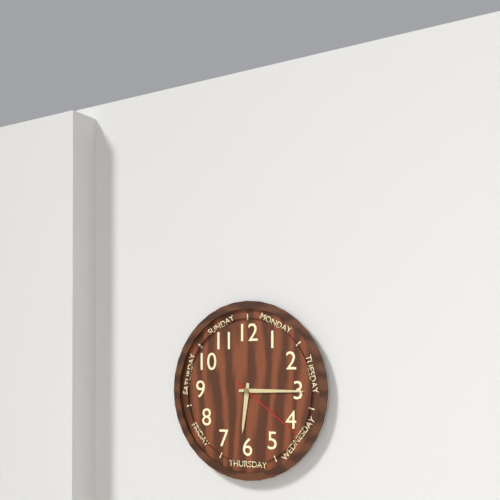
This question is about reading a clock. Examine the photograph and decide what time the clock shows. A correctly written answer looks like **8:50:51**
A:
**6:15:21**
